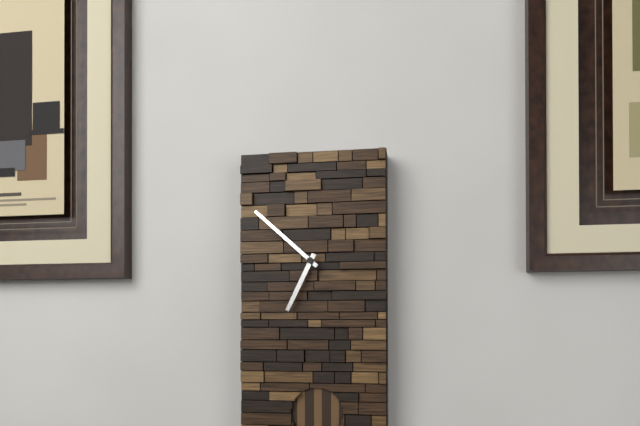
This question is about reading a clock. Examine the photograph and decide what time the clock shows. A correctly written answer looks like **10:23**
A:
**6:52**
